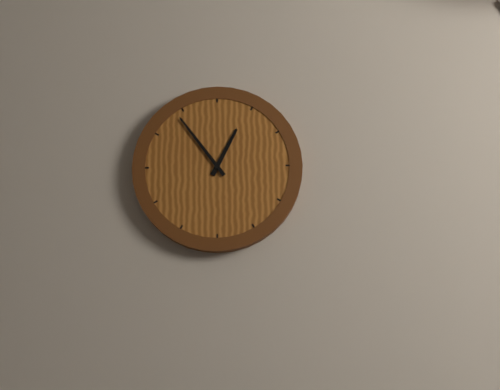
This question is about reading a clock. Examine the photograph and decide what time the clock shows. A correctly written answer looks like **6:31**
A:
**12:54**
